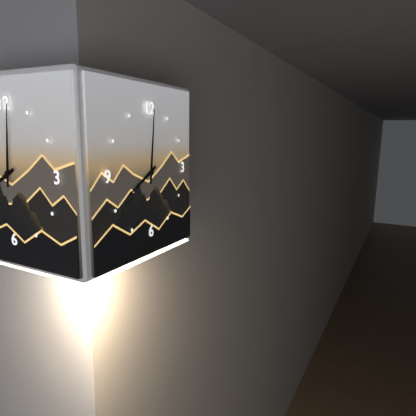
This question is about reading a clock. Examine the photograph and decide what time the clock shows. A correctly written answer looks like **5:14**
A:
**8:01**
